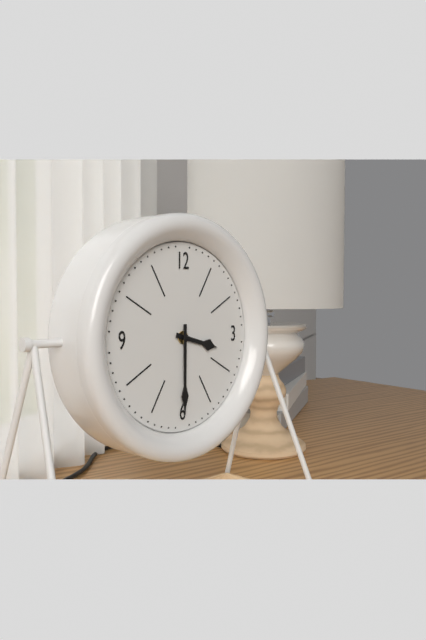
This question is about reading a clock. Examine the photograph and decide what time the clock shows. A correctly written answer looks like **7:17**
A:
**3:30**
